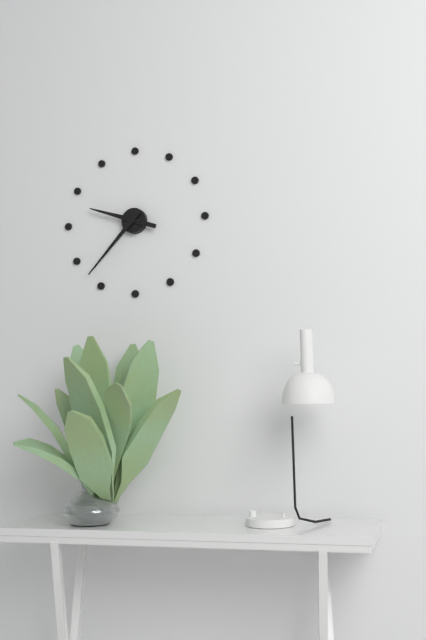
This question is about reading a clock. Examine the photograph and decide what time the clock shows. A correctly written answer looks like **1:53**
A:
**9:37**
